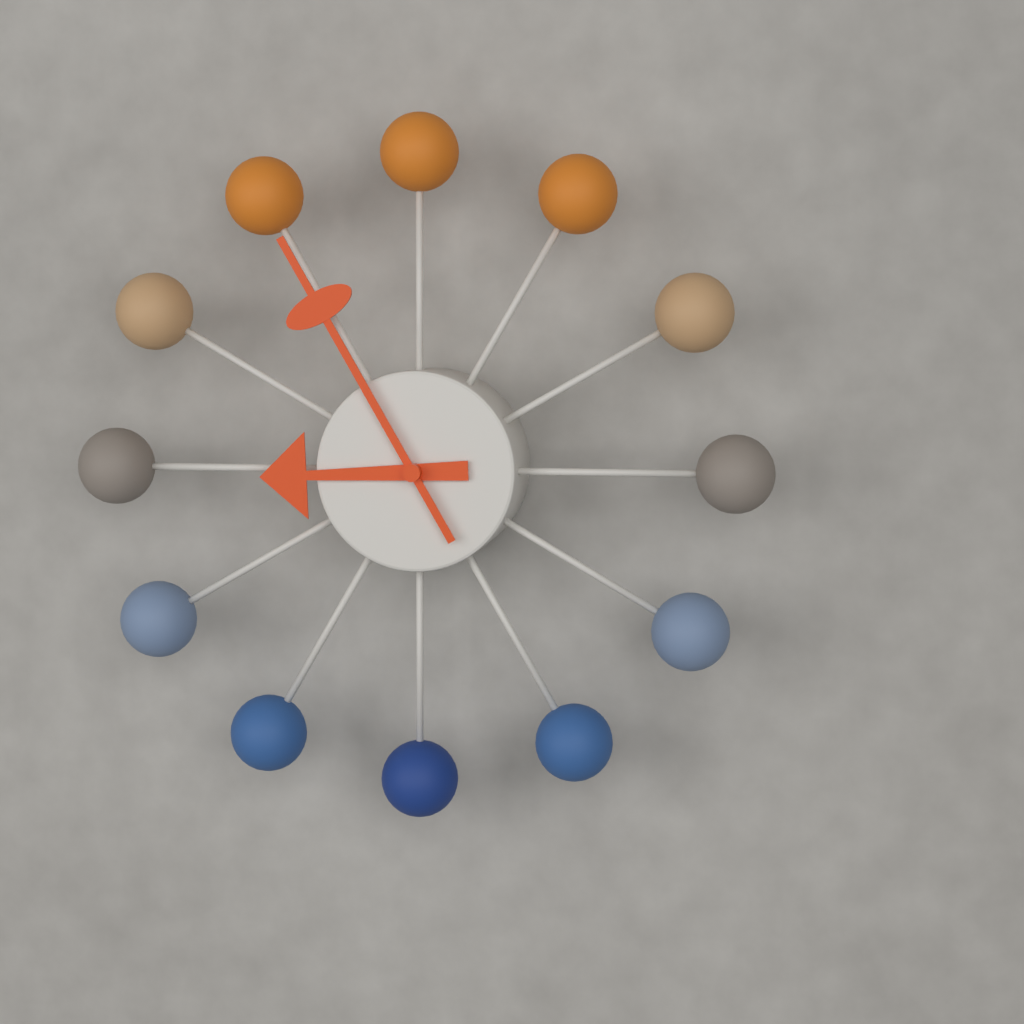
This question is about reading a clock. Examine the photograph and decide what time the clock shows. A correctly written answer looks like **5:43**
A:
**8:55**
